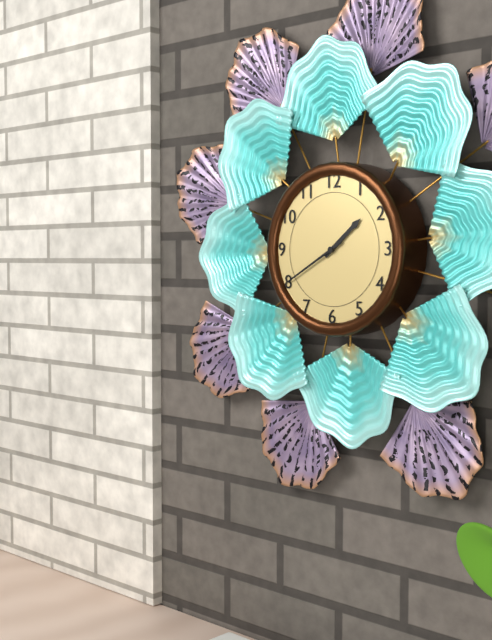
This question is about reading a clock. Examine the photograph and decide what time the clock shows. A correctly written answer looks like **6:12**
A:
**1:40**
